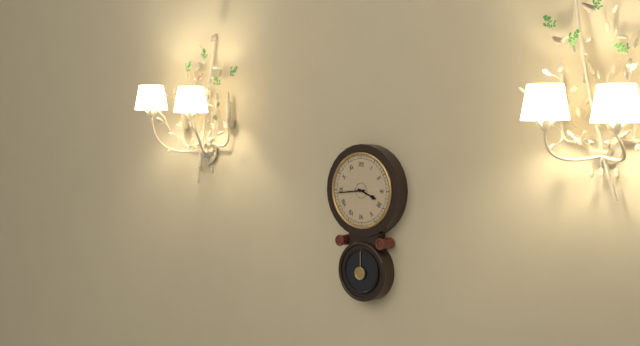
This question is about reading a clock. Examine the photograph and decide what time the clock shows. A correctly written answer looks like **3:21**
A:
**3:44**
